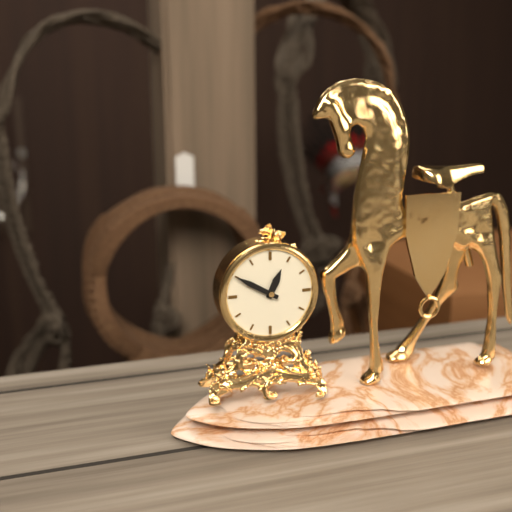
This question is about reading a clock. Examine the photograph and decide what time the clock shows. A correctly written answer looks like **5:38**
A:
**12:50**
